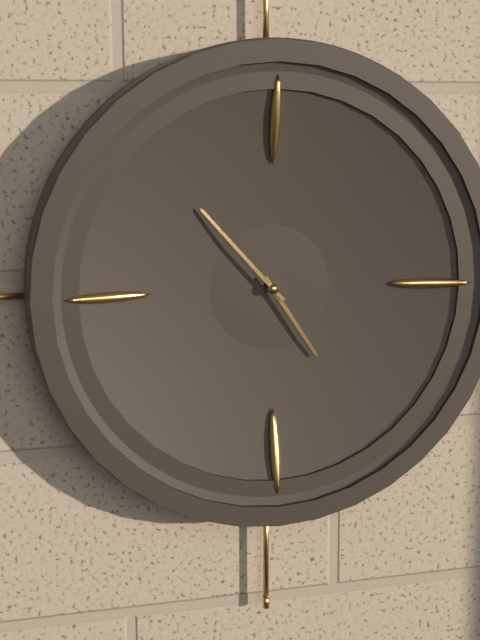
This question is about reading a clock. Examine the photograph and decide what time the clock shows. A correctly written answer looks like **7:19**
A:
**4:53**
